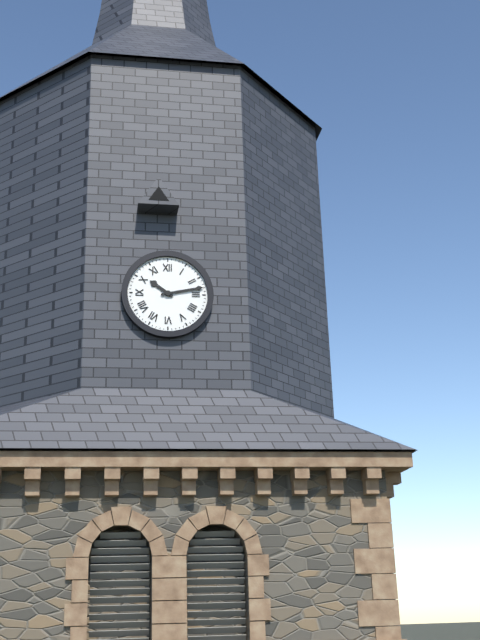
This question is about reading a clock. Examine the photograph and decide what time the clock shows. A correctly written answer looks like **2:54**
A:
**10:13**
